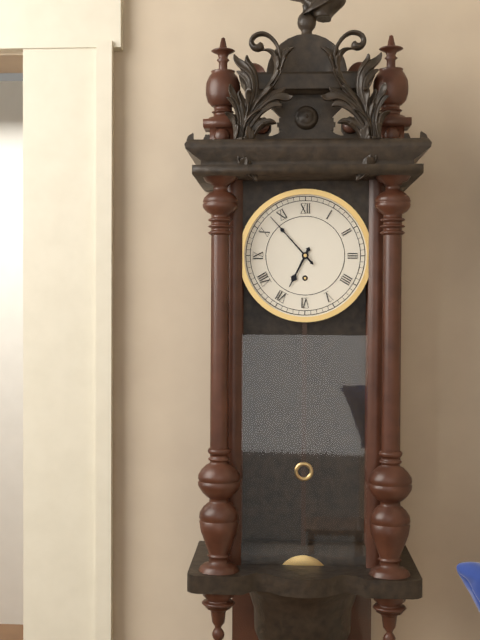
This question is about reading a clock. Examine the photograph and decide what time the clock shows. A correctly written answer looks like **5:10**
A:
**6:53**
